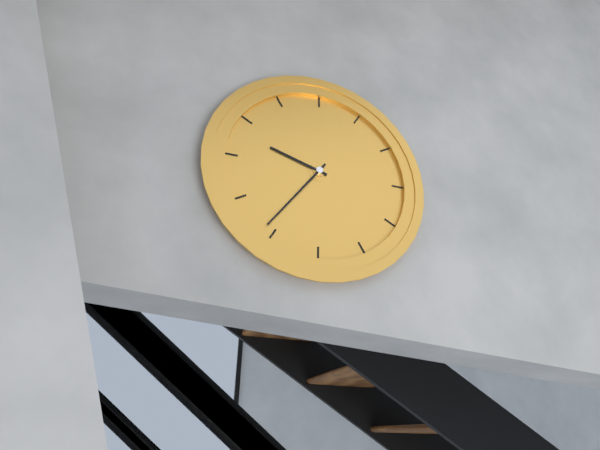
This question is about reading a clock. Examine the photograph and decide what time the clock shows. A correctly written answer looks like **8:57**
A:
**9:36**
